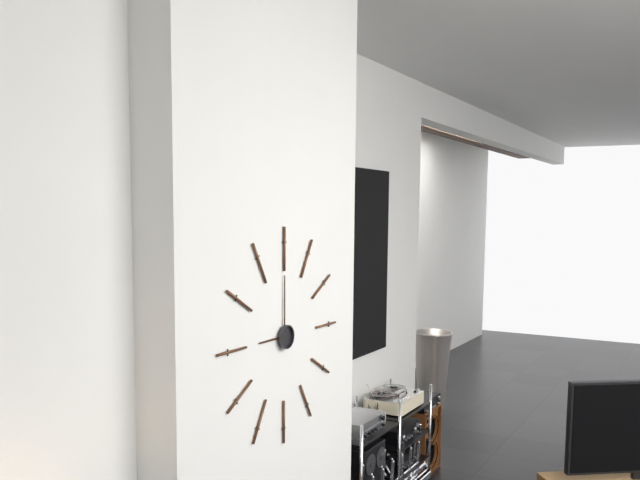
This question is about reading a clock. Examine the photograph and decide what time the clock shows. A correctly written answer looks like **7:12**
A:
**9:00**
